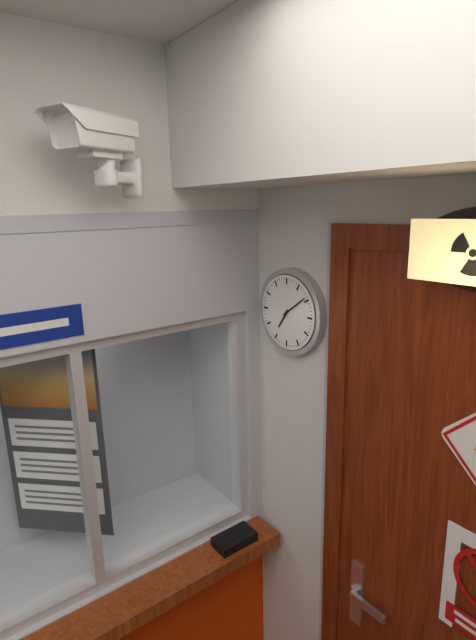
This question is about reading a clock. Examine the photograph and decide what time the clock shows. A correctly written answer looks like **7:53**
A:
**7:09**
